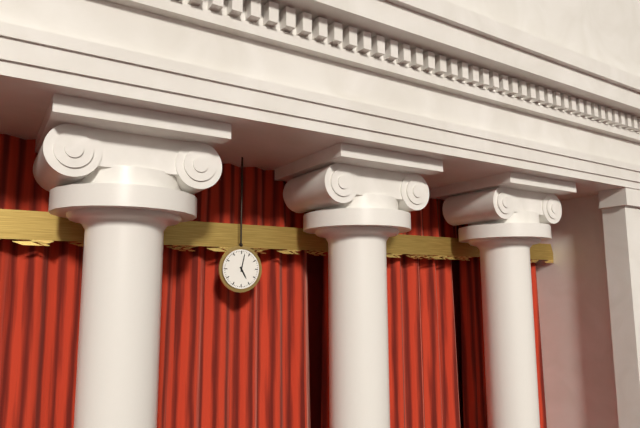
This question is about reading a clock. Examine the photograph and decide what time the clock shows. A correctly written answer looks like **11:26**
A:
**5:02**
